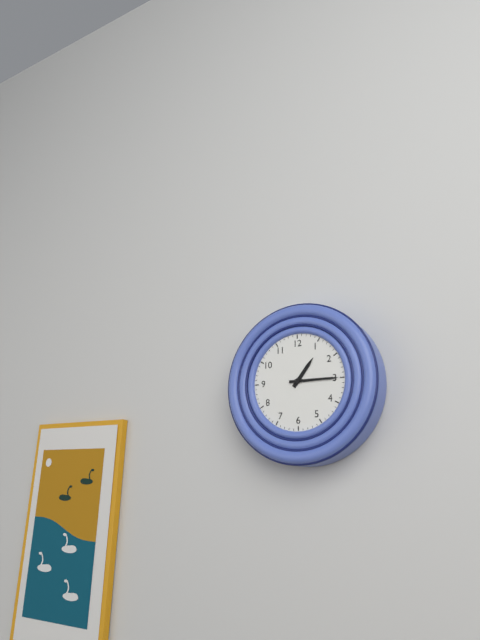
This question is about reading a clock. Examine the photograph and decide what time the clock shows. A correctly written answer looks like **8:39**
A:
**1:15**
